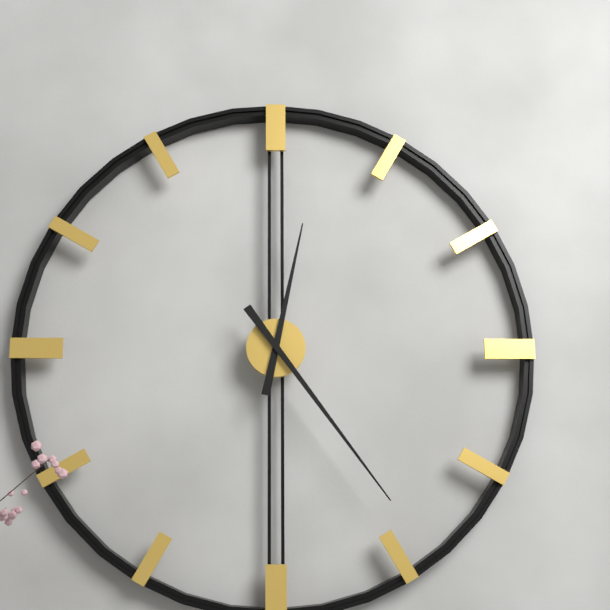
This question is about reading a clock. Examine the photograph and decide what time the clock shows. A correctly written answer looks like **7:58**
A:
**12:24**
